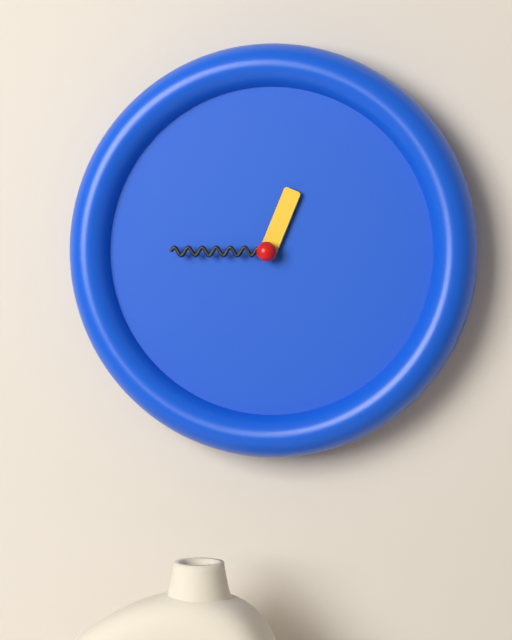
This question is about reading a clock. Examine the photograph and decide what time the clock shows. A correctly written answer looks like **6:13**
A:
**12:45**
